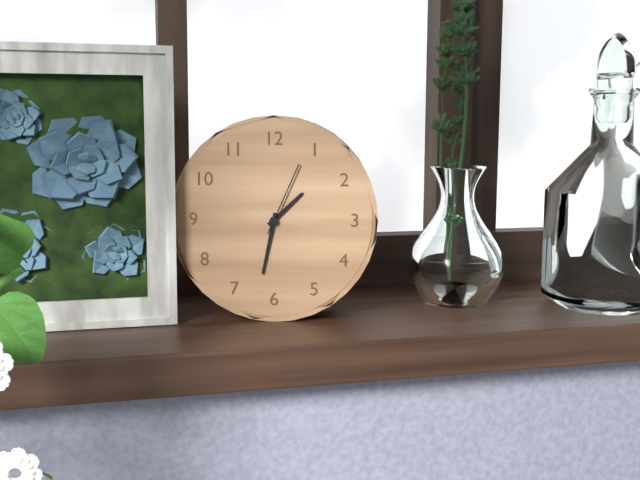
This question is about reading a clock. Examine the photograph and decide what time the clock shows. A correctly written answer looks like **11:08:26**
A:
**1:32:04**
